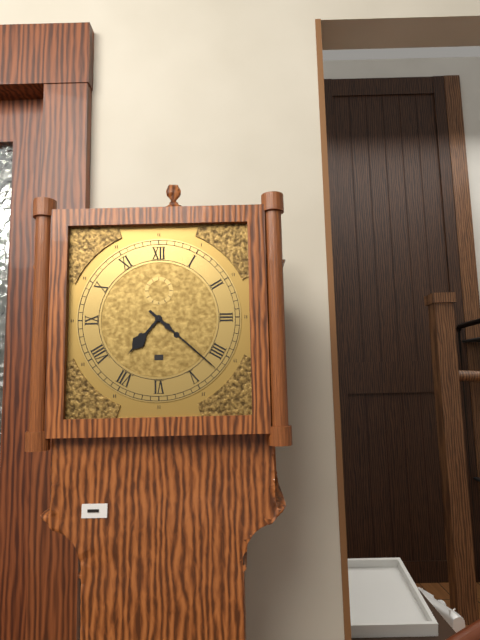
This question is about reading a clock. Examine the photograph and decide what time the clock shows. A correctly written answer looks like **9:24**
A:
**7:22**
